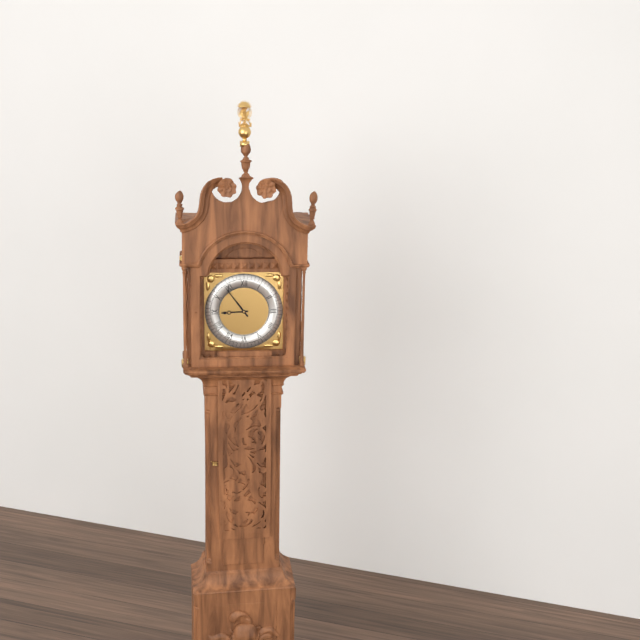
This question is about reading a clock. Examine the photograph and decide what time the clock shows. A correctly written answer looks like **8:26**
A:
**8:54**
